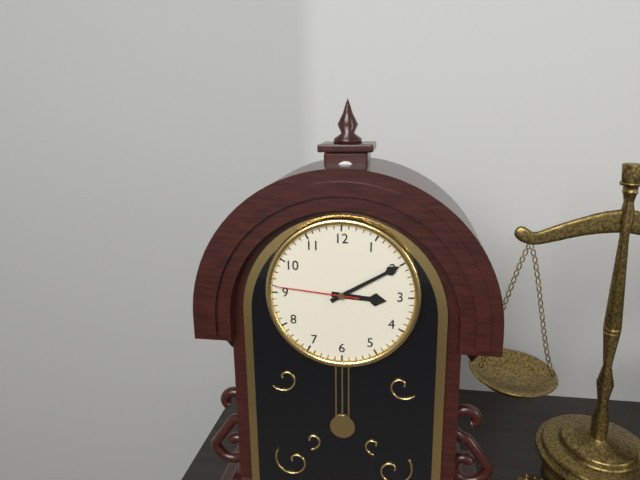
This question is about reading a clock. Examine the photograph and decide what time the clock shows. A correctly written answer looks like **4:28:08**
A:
**3:10:46**
